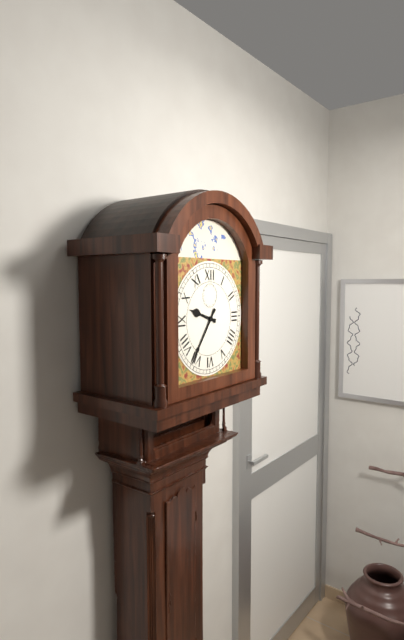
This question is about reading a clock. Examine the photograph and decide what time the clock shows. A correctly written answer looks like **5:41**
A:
**9:36**
